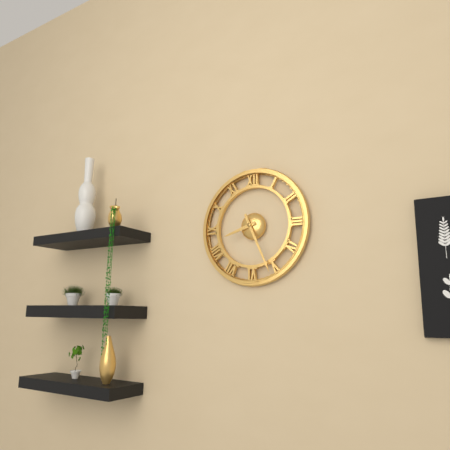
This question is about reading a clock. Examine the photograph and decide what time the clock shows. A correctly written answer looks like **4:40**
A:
**8:26**
